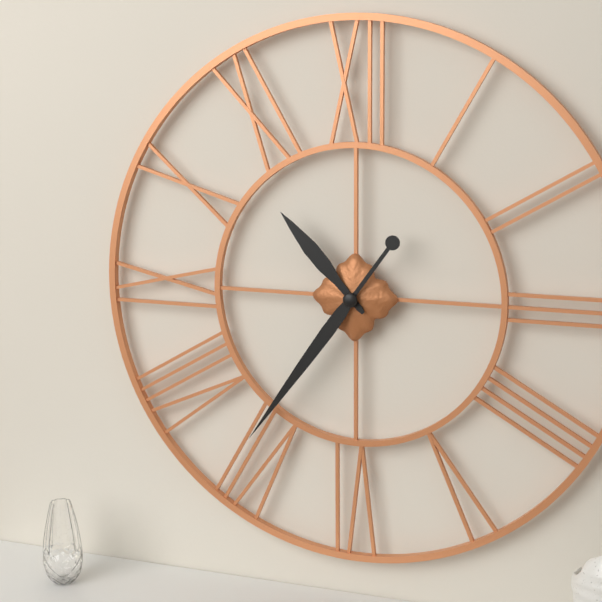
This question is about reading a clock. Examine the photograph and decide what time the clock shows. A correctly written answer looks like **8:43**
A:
**10:36**
